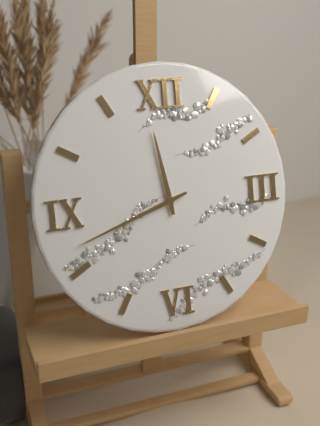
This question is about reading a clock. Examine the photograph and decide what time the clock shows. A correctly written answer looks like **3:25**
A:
**11:42**
